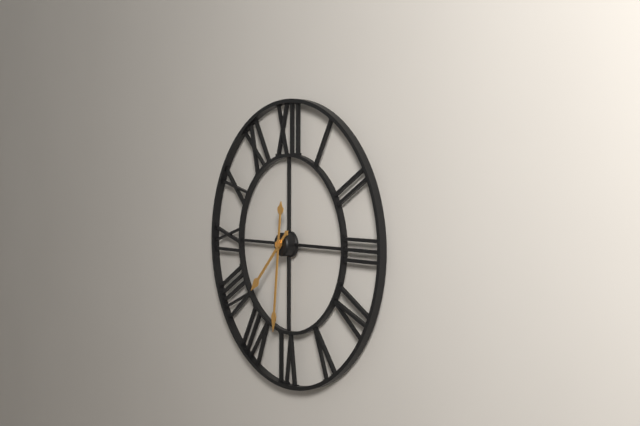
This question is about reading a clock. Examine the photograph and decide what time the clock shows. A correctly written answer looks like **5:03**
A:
**7:31**
